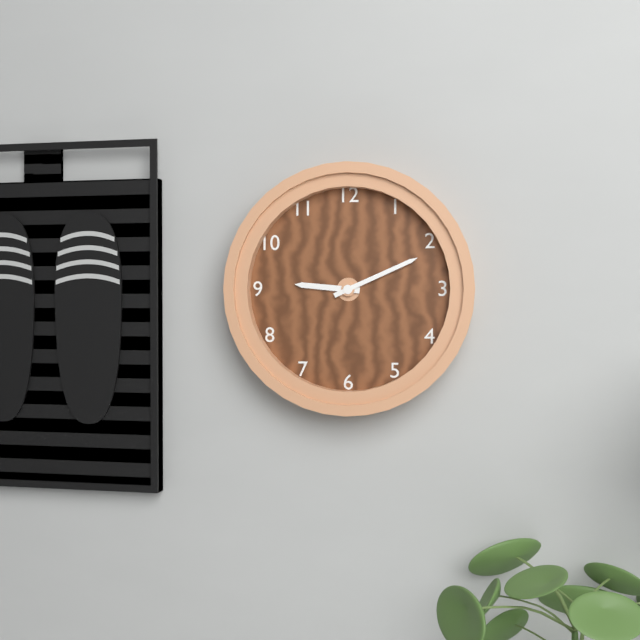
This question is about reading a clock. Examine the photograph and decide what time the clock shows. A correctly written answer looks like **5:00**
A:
**9:11**
